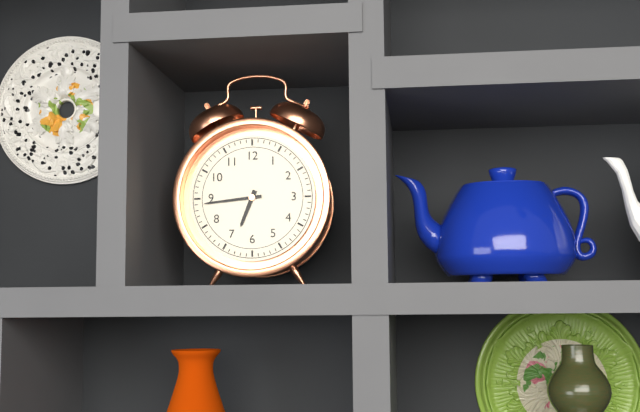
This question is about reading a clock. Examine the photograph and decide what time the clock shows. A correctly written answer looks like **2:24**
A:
**6:44**
